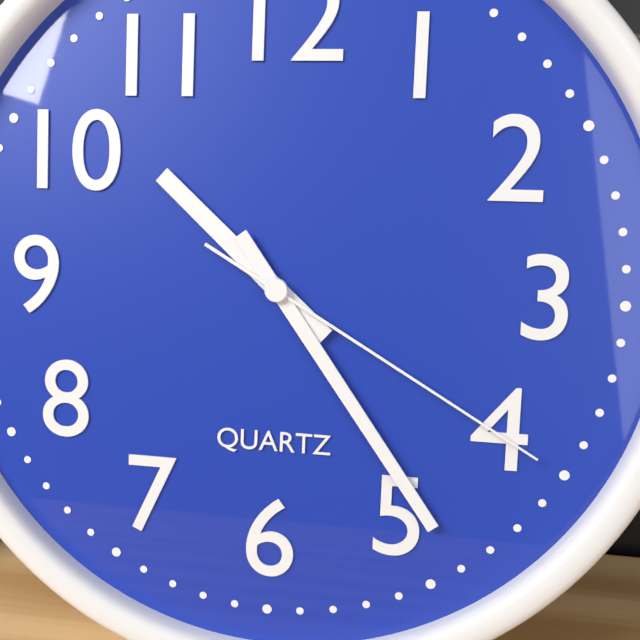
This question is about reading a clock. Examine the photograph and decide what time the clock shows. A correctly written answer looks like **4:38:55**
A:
**10:24:20**
